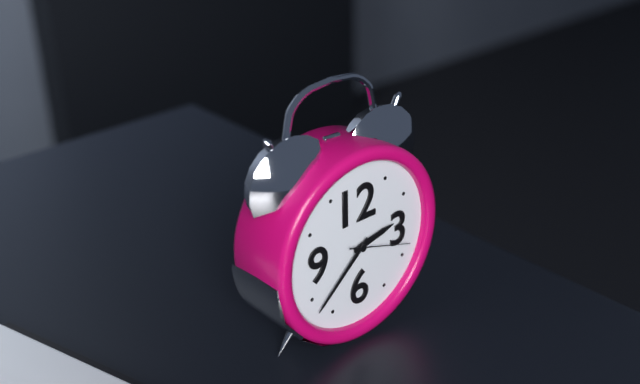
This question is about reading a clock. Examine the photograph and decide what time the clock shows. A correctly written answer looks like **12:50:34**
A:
**2:38:18**
